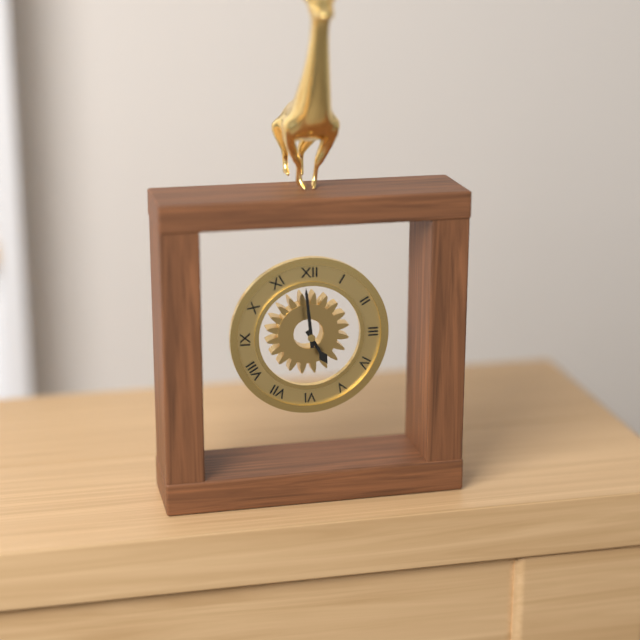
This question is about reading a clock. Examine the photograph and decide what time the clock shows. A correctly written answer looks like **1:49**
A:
**4:59**
